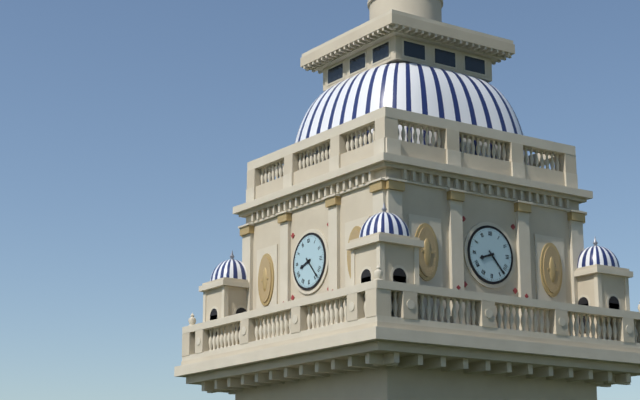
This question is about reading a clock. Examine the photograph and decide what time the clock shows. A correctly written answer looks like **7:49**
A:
**8:23**
